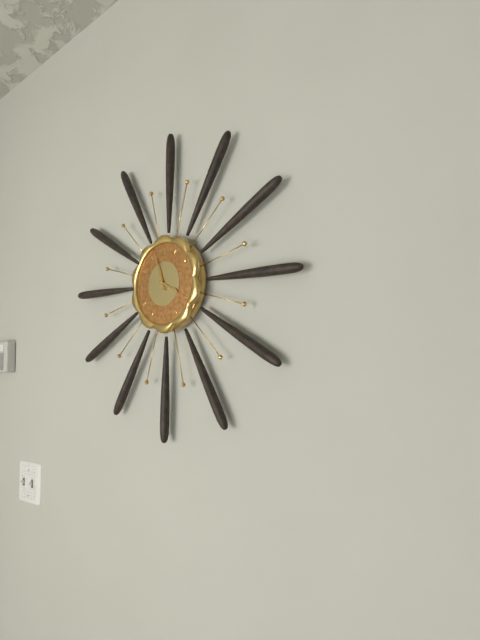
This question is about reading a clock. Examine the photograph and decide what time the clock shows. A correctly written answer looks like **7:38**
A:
**3:57**
